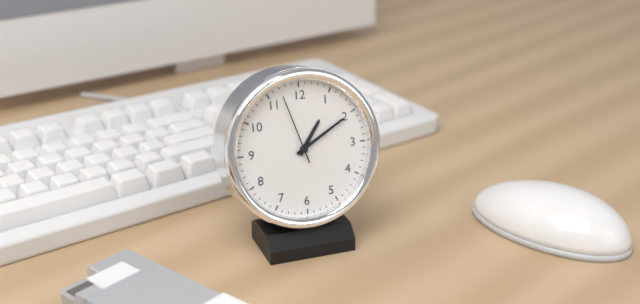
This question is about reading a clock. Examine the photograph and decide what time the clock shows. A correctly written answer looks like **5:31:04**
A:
**1:10:57**
